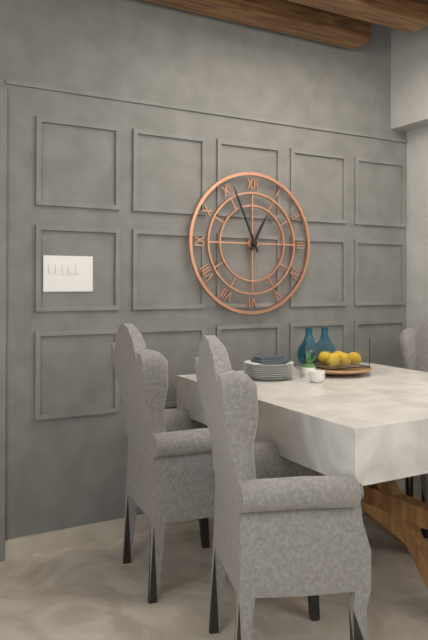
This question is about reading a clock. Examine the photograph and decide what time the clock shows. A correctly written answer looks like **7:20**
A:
**12:56**
